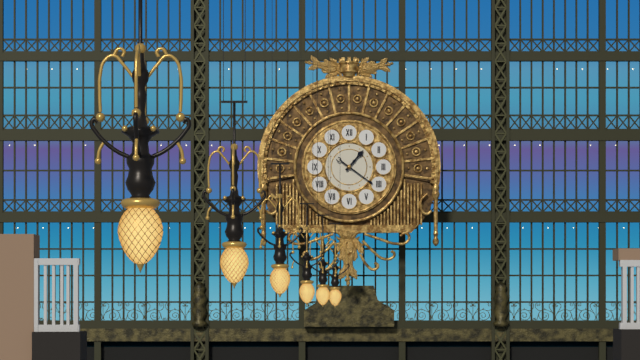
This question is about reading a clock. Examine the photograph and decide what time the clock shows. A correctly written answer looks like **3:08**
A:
**1:21**
